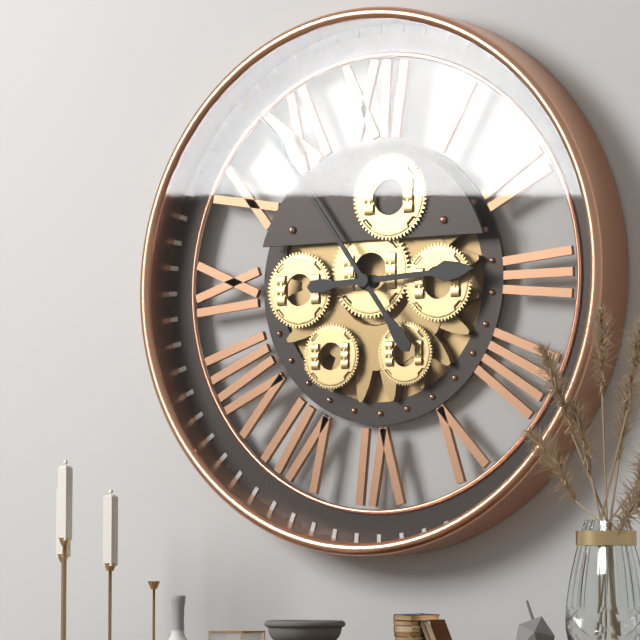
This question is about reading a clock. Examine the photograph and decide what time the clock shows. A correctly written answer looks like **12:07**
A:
**2:54**
